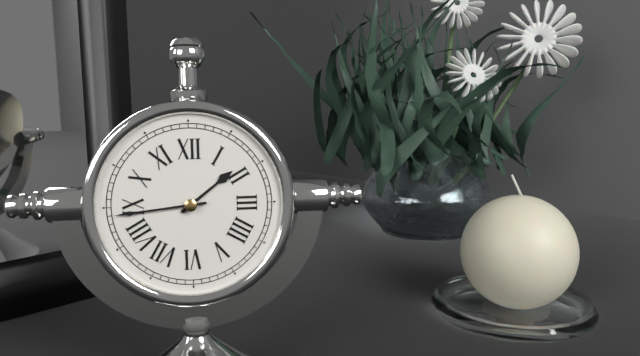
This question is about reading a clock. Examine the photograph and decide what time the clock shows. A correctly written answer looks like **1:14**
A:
**1:44**
